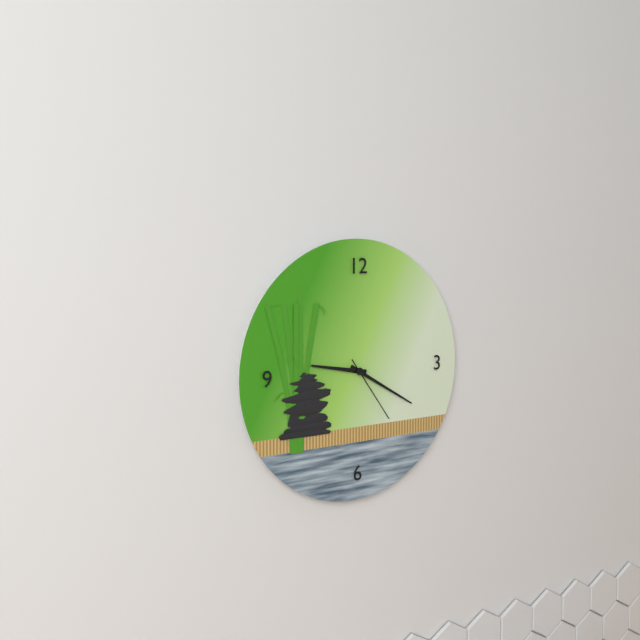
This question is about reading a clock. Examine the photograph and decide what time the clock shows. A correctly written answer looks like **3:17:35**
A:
**9:20:24**
